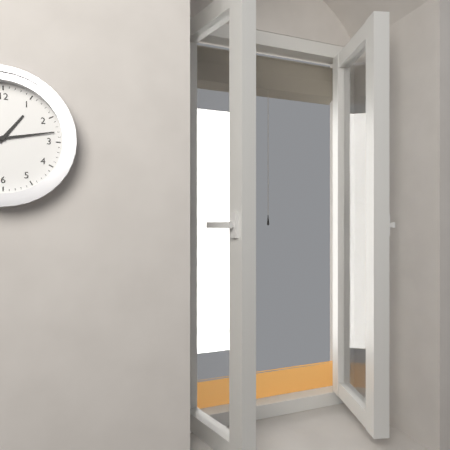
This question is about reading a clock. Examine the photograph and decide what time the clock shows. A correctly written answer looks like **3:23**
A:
**1:13**
